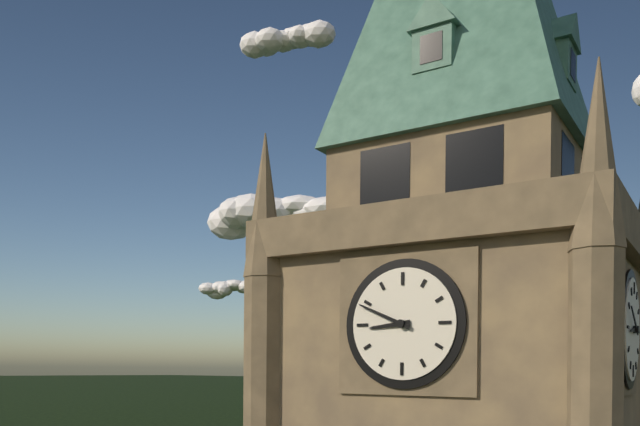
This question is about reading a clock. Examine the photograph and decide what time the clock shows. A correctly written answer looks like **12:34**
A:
**8:49**
